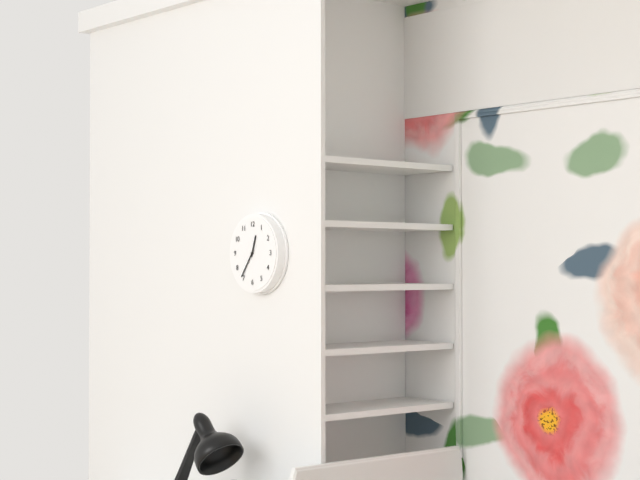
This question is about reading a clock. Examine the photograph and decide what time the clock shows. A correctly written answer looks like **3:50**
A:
**12:36**
